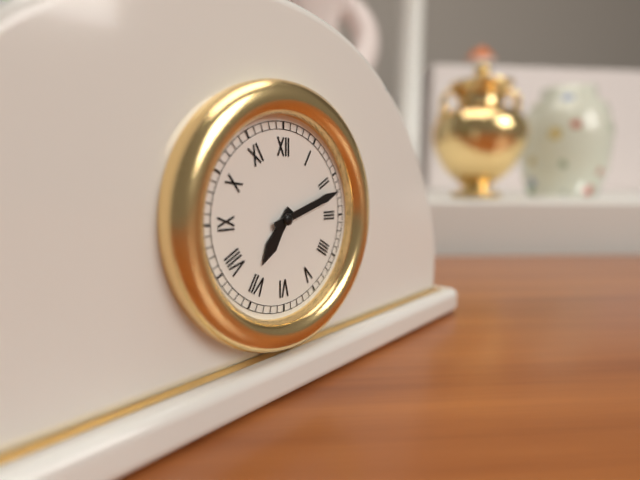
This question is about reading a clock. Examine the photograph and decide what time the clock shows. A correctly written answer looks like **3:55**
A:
**7:12**
